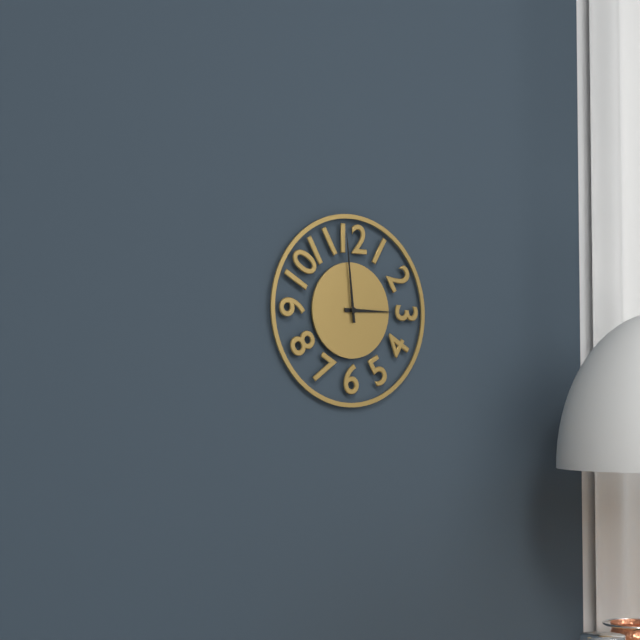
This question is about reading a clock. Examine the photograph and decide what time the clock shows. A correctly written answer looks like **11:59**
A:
**2:59**
